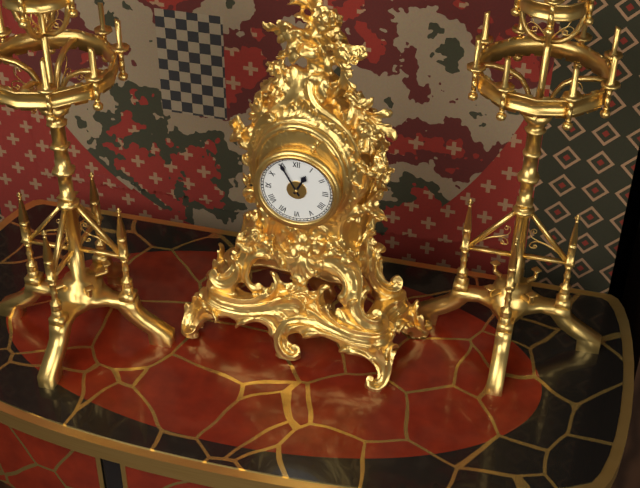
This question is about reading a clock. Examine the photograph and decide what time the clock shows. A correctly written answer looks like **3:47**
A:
**12:55**
